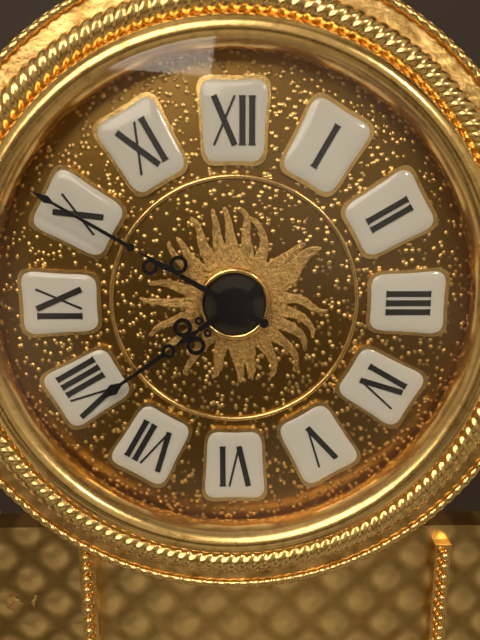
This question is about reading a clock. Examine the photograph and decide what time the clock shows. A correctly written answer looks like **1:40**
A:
**7:50**
